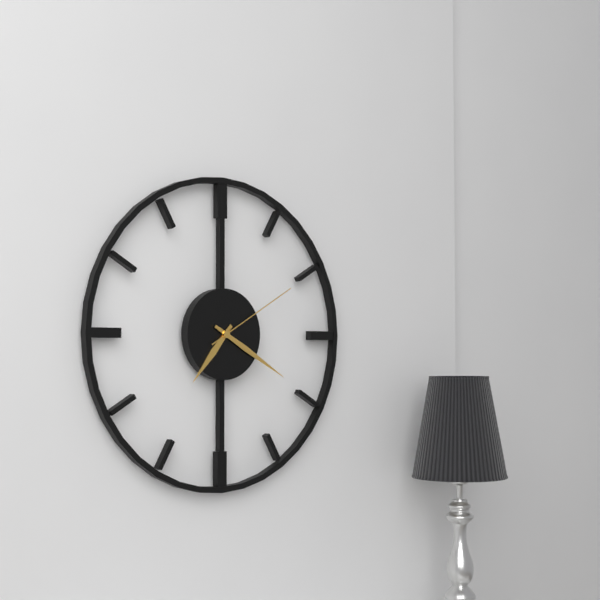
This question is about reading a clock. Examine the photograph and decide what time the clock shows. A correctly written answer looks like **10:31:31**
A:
**7:20:10**
